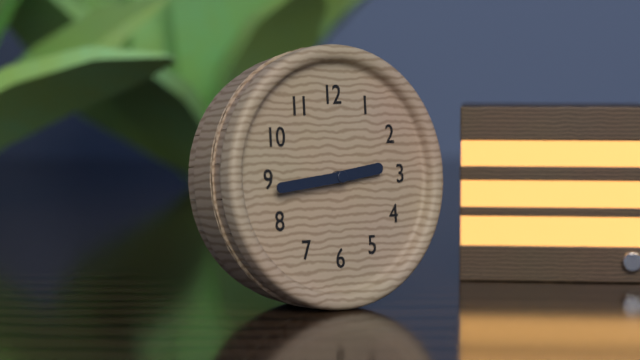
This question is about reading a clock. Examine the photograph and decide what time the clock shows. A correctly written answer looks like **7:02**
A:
**2:44**
